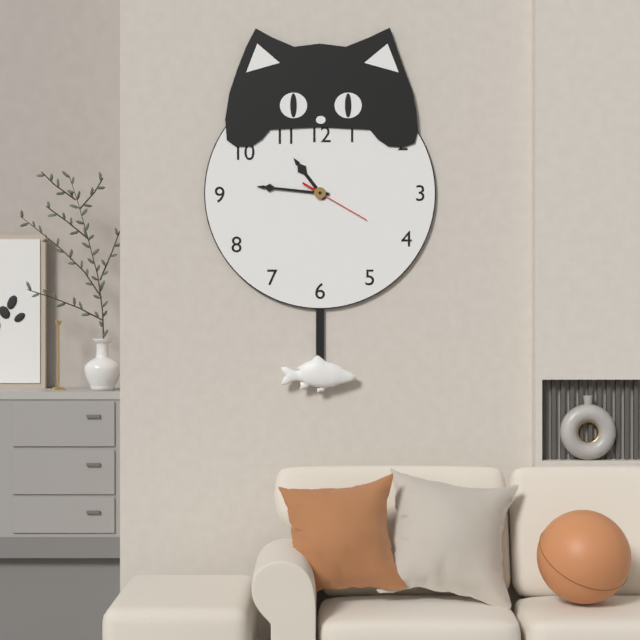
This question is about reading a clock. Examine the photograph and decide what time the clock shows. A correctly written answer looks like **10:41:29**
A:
**10:46:20**
